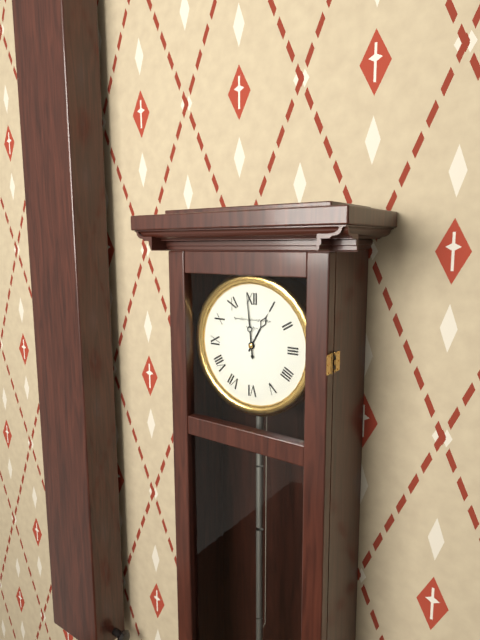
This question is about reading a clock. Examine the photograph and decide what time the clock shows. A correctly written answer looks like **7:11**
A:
**12:59**
